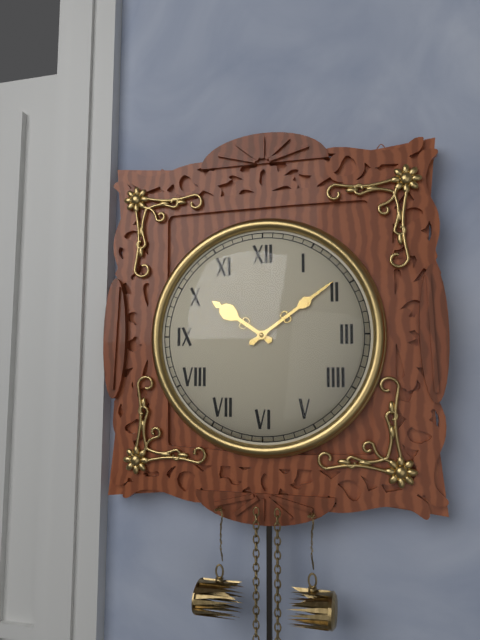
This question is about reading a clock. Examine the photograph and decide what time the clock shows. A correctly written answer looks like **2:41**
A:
**10:09**
